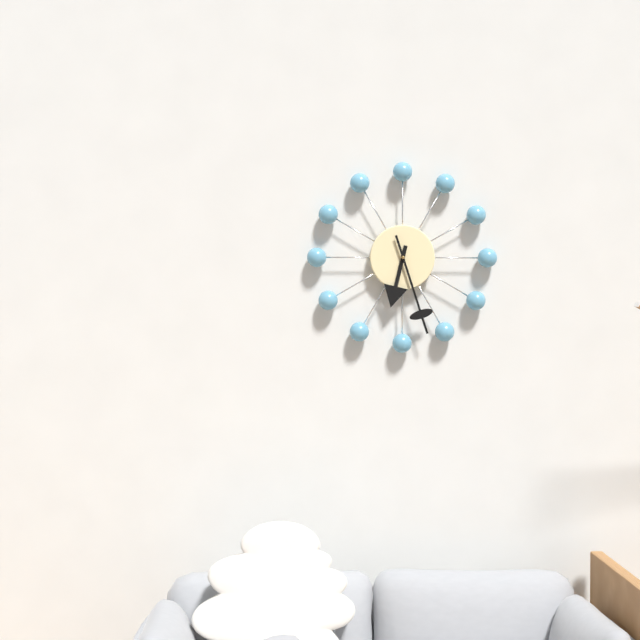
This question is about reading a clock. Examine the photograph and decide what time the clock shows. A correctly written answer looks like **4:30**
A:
**6:27**
